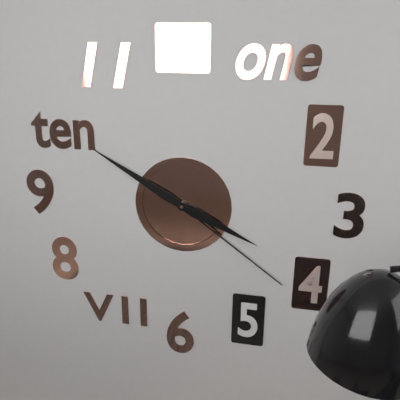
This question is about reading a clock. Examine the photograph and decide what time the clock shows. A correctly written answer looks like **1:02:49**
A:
**3:50:21**
